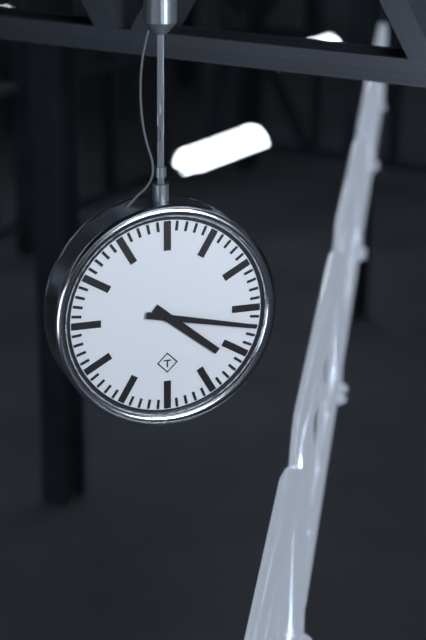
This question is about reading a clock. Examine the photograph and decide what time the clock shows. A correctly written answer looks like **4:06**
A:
**4:17**
